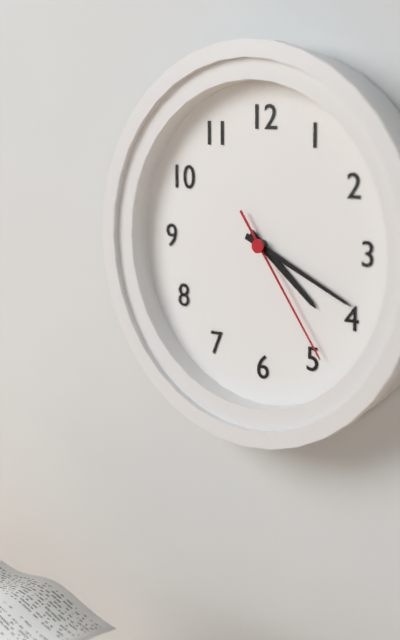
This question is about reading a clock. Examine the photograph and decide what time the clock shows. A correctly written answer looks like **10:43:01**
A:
**4:19:24**
